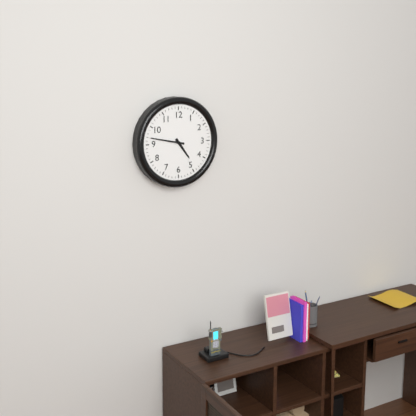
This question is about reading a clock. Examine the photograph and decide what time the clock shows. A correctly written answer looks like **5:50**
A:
**4:47**
